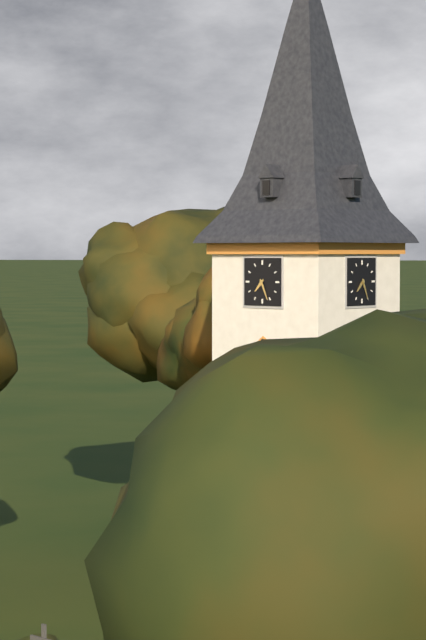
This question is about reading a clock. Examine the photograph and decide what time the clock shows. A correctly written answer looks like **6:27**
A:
**7:26**
